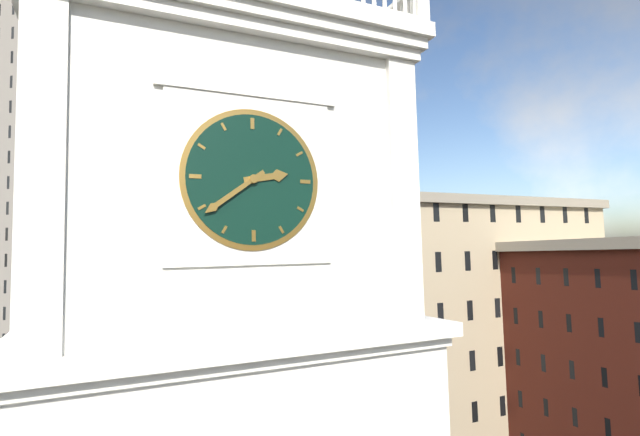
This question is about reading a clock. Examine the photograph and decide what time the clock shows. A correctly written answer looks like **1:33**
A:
**2:39**
